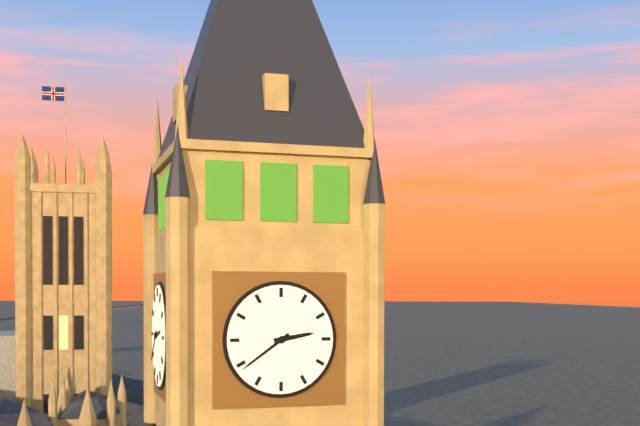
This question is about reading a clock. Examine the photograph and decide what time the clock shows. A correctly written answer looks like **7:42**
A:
**2:39**
